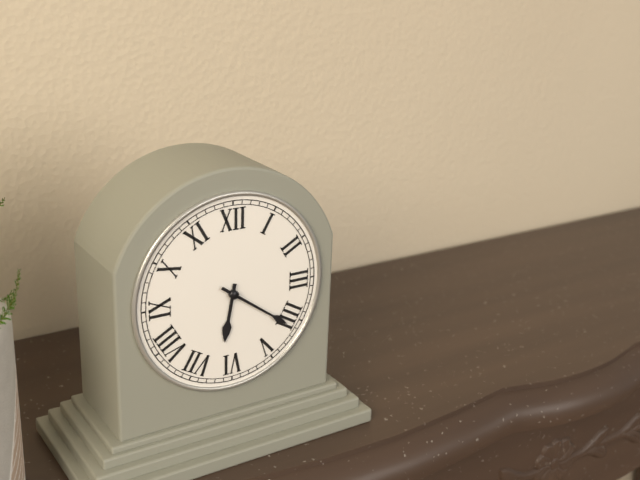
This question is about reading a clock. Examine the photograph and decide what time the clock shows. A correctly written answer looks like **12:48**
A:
**6:21**
